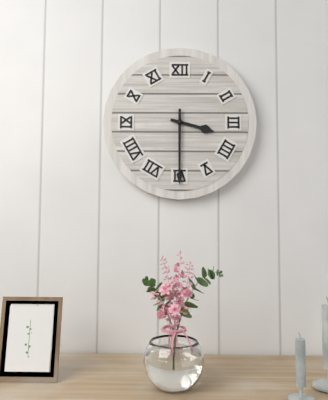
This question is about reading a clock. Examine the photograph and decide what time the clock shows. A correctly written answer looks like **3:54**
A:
**3:30**
